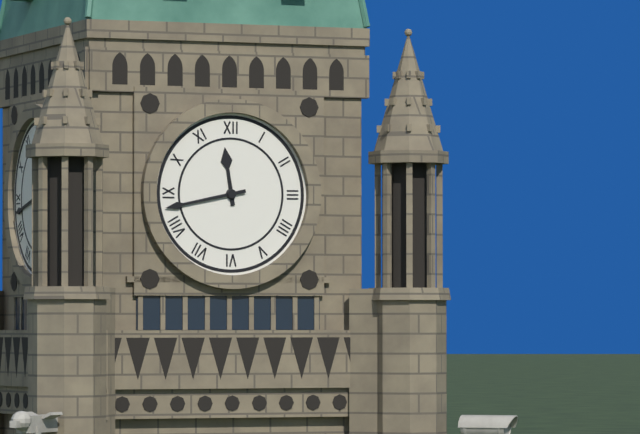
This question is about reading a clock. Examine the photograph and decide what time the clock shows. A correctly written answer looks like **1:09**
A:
**11:43**
